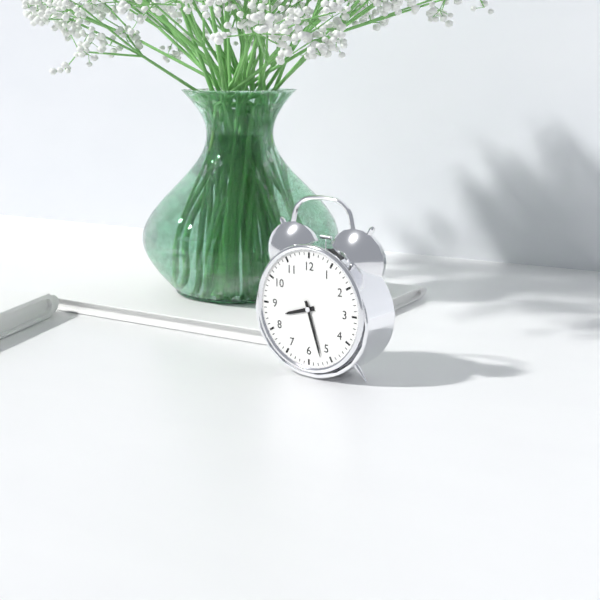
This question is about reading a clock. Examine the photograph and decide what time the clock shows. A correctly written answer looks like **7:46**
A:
**8:27**
